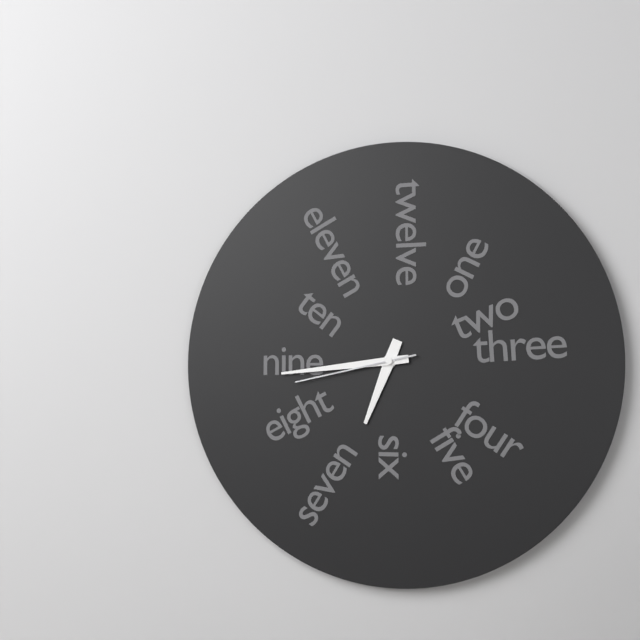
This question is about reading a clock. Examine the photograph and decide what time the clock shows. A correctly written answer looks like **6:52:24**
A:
**6:44:43**
